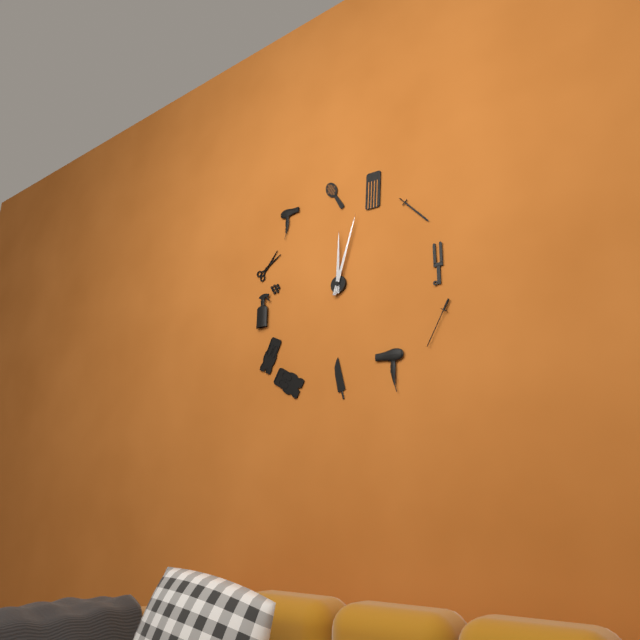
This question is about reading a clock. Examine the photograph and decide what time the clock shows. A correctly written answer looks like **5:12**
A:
**12:03**
